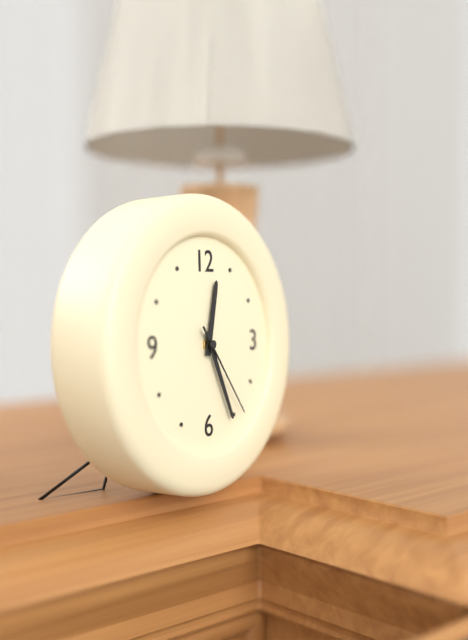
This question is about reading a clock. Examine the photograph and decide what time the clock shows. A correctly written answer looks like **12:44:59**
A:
**12:26:24**
